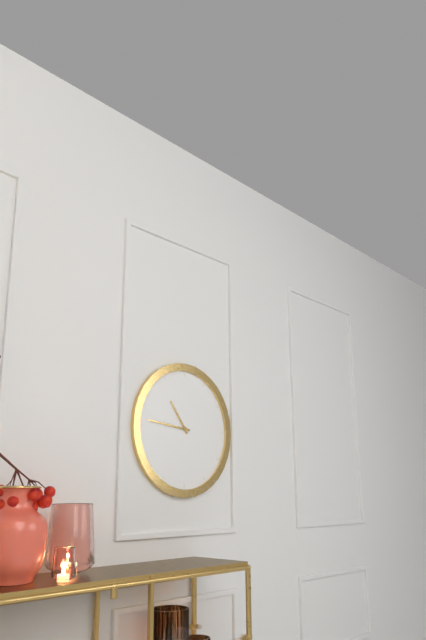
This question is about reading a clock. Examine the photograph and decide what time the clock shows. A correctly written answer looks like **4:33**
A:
**10:46**
